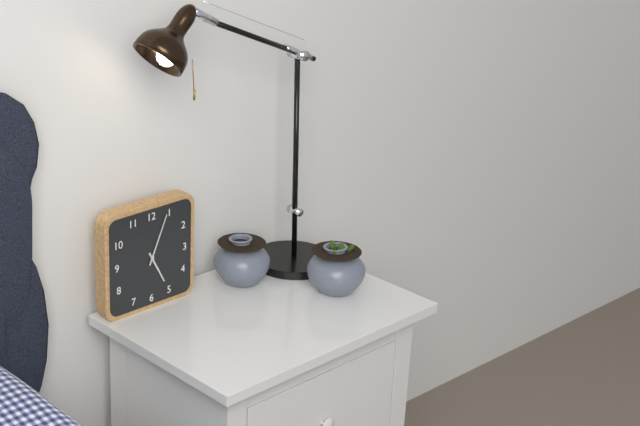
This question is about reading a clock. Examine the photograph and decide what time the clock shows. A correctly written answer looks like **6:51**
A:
**5:04**
